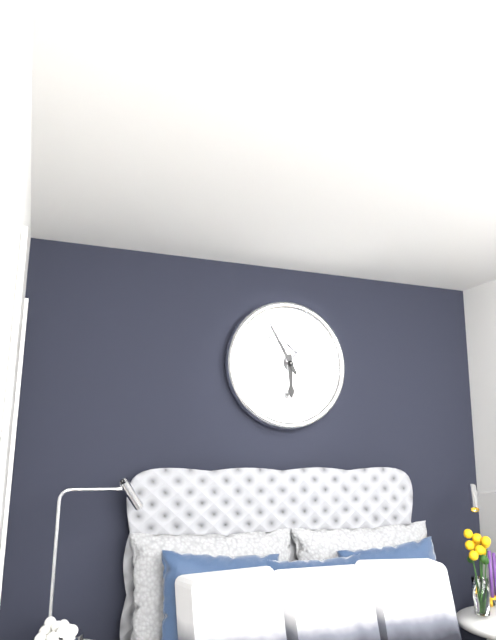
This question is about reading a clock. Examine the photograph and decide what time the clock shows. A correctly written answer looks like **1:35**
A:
**5:55**
